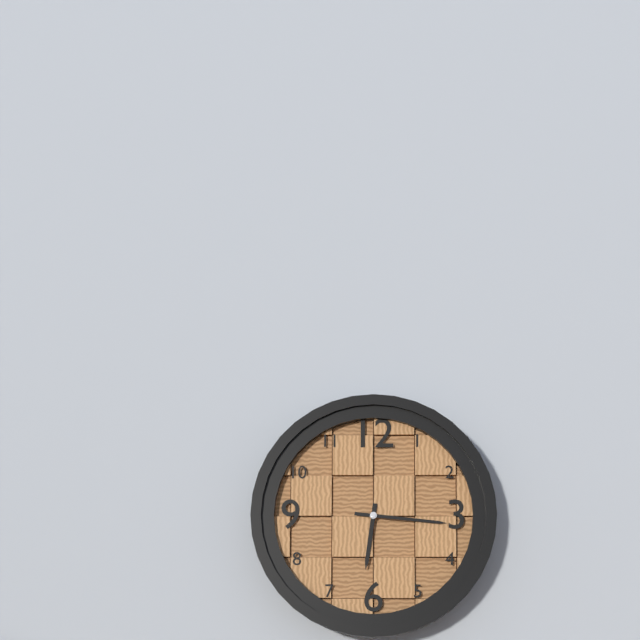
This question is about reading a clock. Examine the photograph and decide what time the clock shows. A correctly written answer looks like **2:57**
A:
**6:16**
